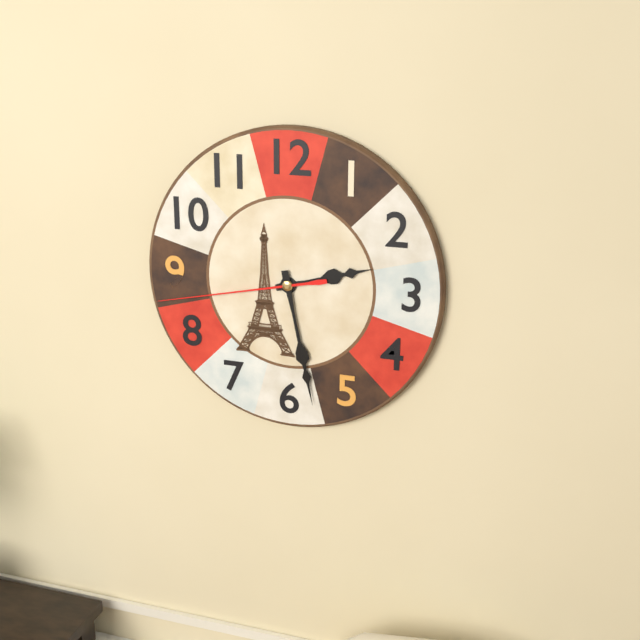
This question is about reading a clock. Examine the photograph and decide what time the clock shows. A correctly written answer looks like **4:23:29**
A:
**2:28:43**
